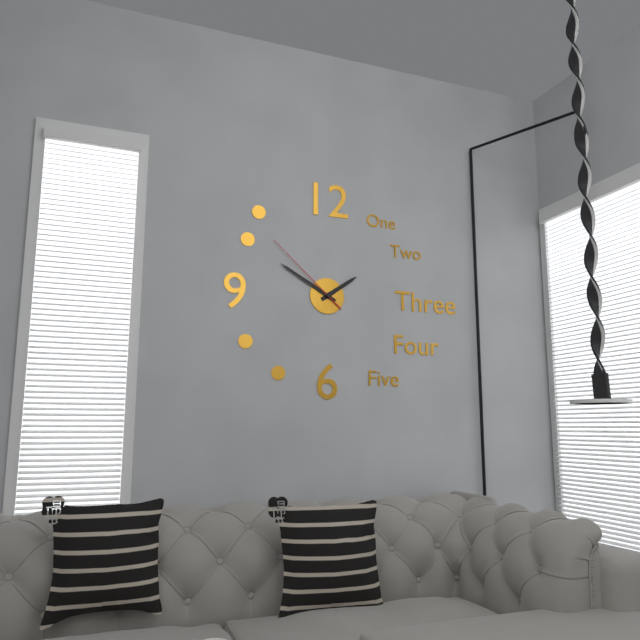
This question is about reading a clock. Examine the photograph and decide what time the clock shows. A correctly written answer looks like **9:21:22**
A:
**1:50:52**
